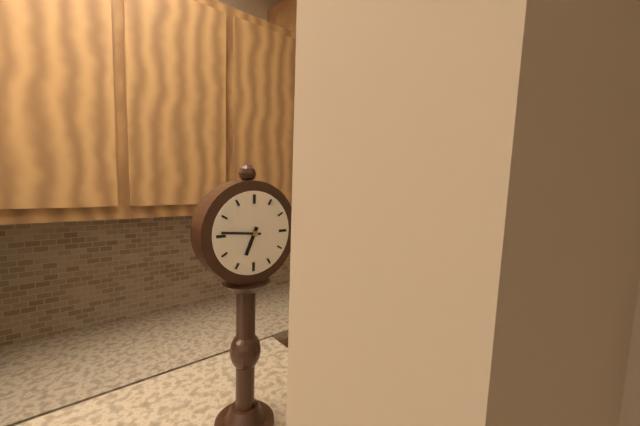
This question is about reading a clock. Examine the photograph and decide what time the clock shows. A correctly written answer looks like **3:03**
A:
**6:46**
